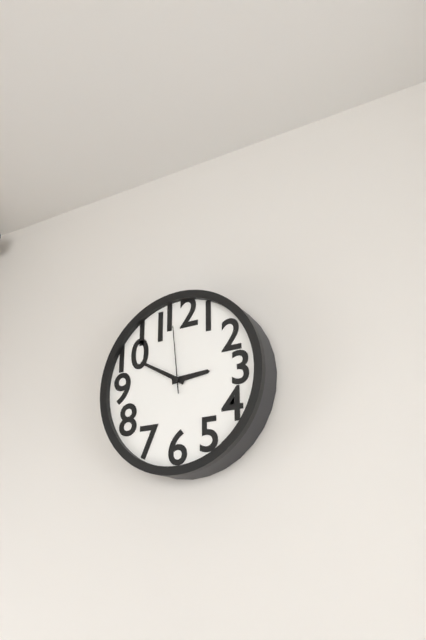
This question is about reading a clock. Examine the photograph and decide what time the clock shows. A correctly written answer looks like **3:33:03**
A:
**2:50:59**
